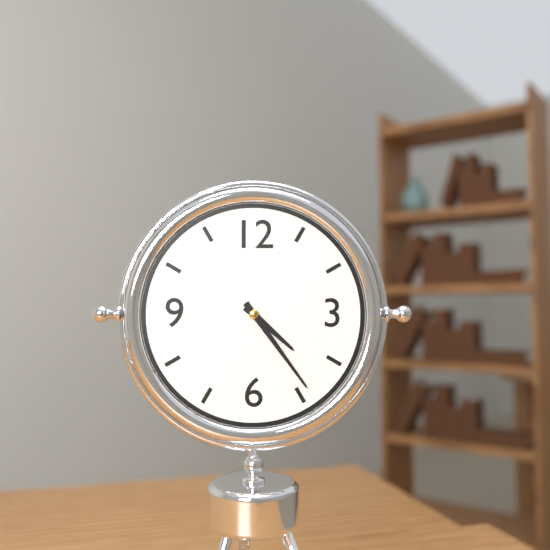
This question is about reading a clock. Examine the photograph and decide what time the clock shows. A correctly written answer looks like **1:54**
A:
**4:24**
